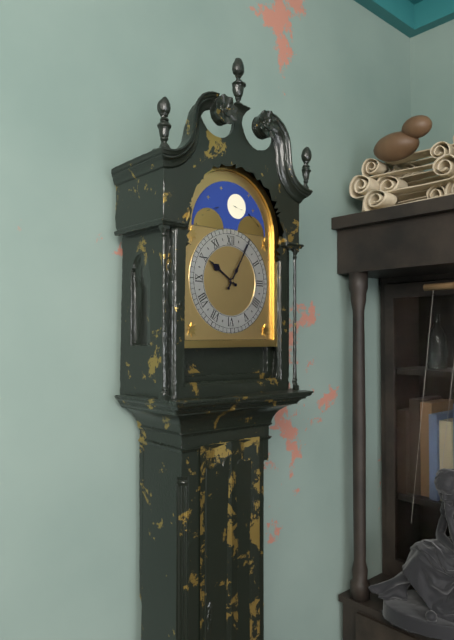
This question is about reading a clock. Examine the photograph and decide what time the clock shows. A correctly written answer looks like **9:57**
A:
**10:05**
